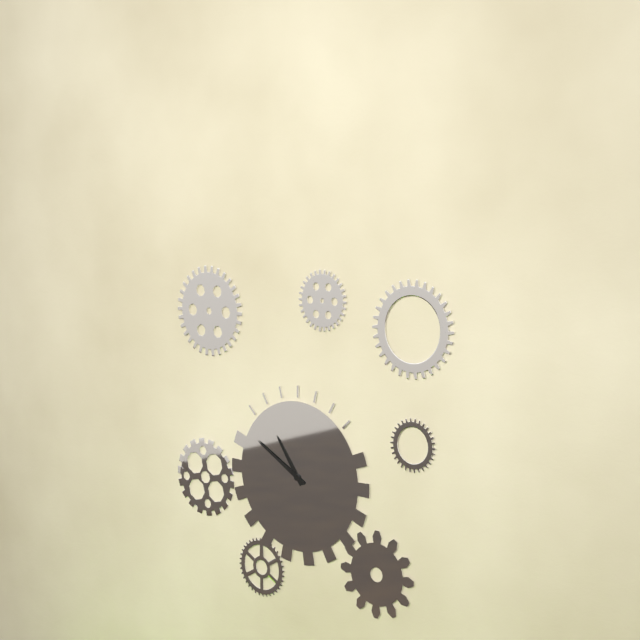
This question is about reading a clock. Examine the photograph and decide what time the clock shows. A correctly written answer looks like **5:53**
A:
**10:50**
